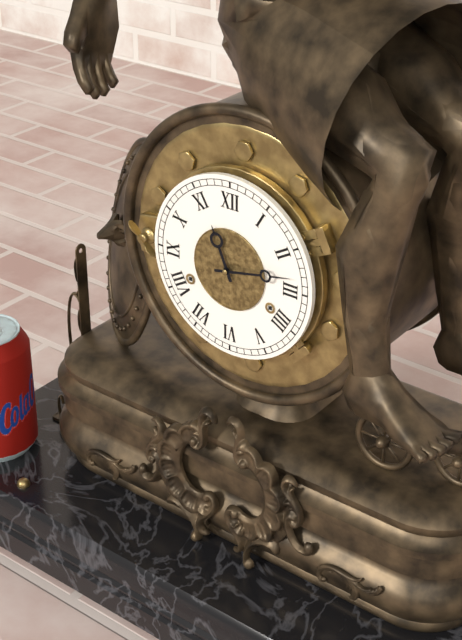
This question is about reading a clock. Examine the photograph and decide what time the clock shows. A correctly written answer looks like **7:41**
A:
**11:13**
